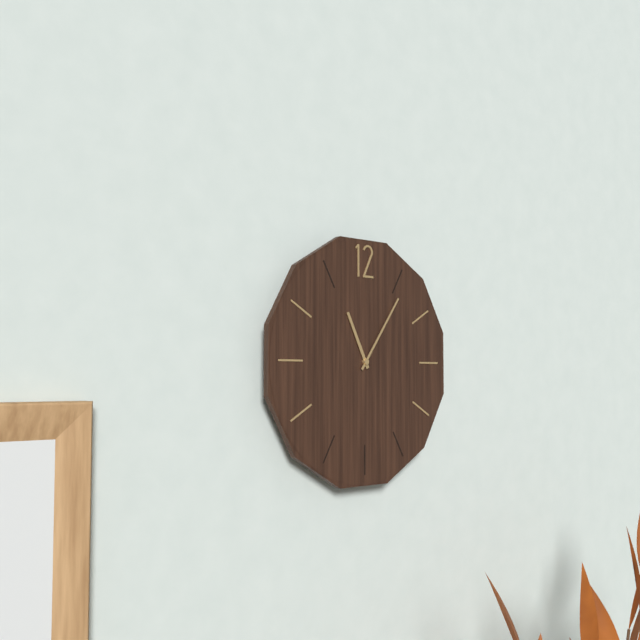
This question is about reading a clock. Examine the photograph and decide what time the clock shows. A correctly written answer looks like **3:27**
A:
**11:06**
